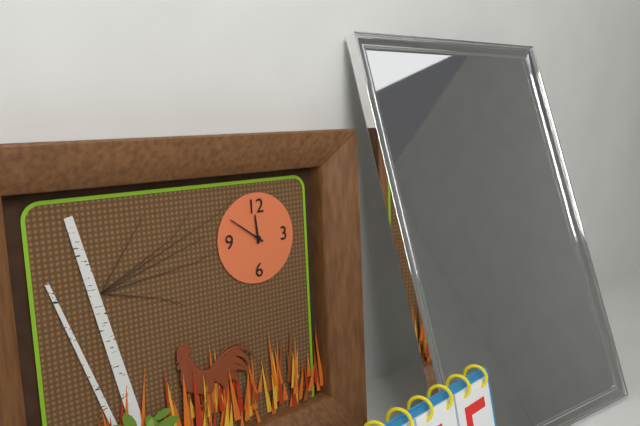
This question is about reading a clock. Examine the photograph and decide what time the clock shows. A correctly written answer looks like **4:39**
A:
**11:51**
